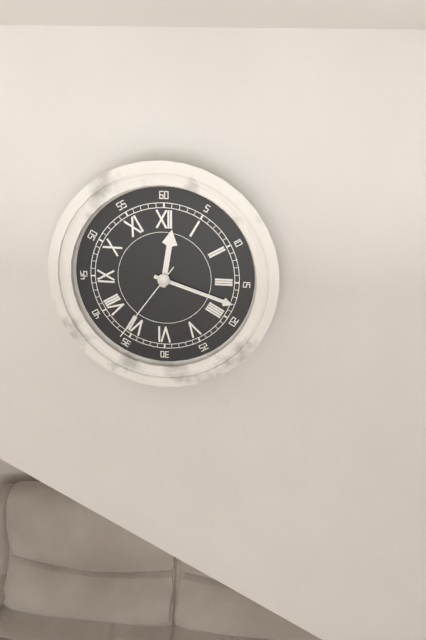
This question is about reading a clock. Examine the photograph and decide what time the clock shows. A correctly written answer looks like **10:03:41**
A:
**12:18:36**
